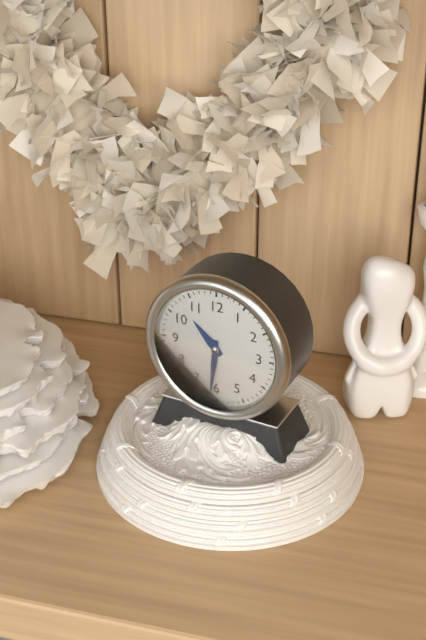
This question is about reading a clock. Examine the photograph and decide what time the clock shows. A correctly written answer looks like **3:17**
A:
**10:31**
